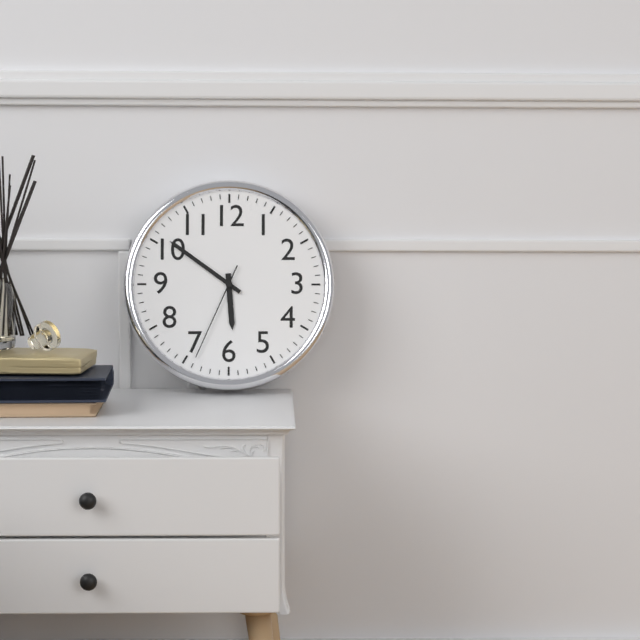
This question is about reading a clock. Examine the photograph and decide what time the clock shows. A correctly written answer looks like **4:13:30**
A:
**5:51:34**
